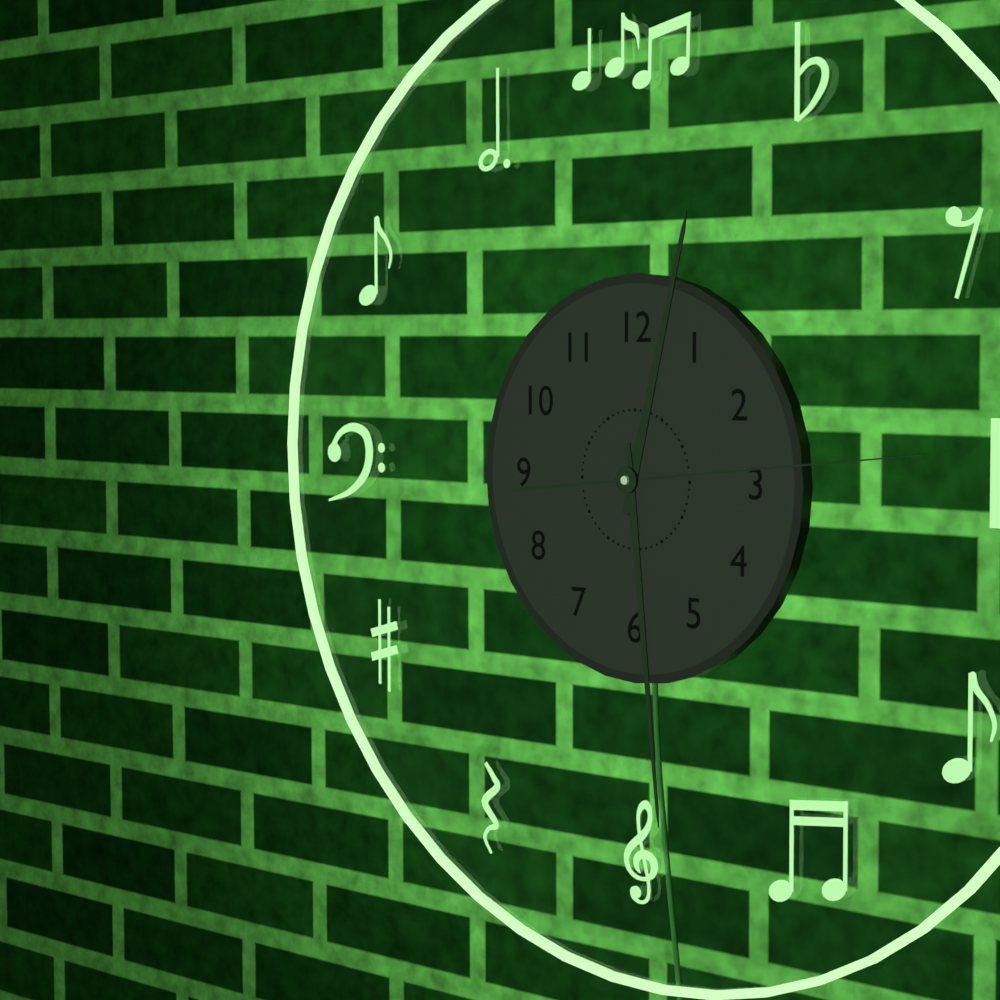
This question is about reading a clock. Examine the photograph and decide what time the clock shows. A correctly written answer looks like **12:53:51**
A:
**12:29:14**
